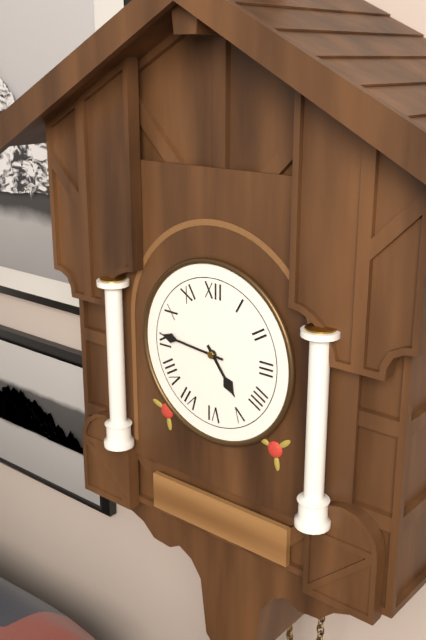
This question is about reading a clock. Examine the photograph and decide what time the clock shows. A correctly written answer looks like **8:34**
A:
**4:46**
